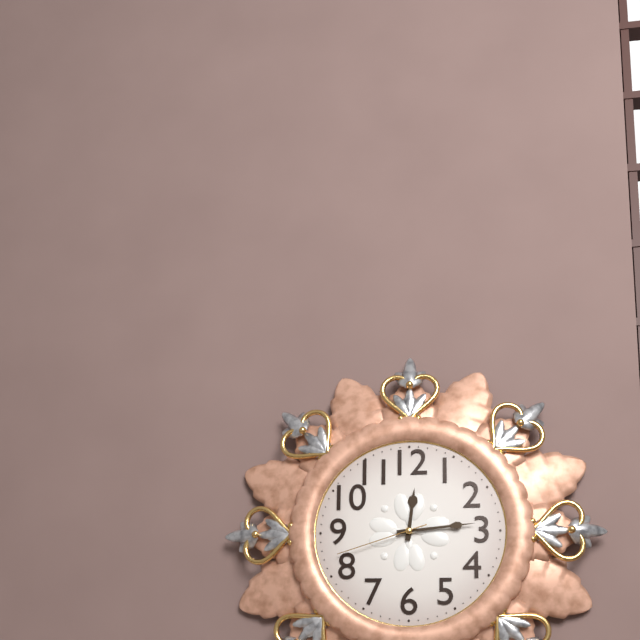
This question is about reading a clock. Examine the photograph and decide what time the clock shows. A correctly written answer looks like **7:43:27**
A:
**12:14:42**
